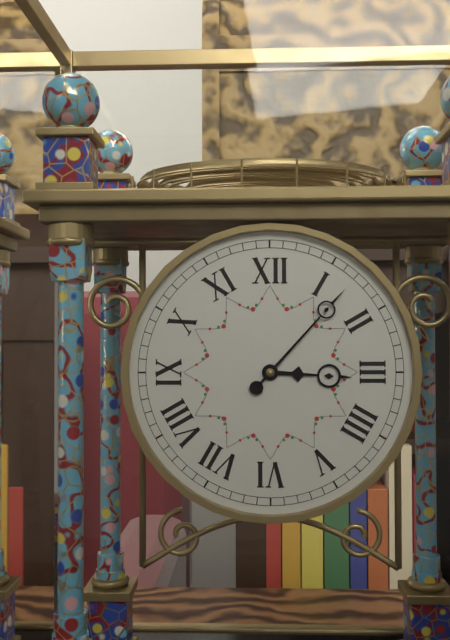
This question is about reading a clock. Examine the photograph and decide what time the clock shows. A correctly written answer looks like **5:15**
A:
**3:07**
